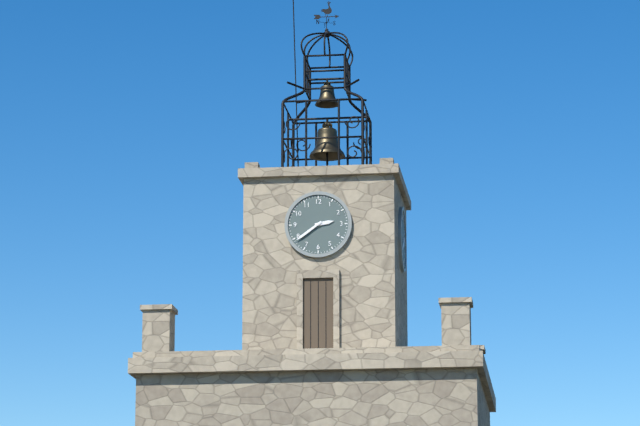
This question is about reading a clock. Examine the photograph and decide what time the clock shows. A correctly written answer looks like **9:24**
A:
**2:39**
